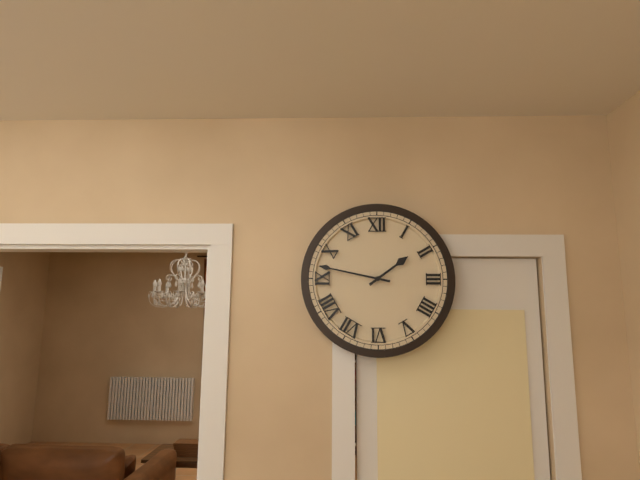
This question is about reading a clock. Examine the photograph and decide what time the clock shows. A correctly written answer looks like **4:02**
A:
**1:47**
